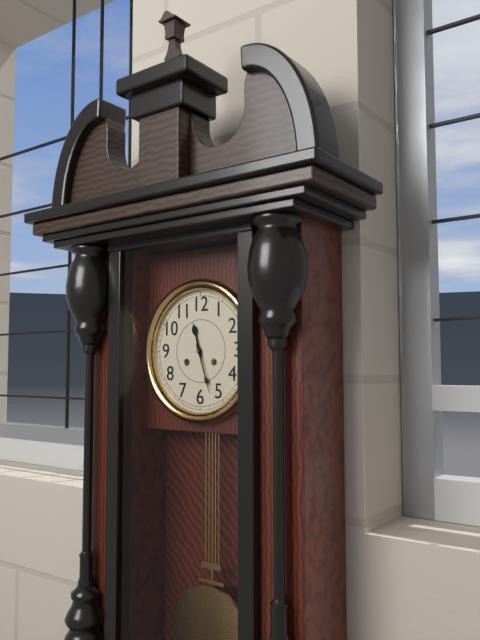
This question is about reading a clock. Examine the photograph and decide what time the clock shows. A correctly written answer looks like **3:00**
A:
**11:27**
